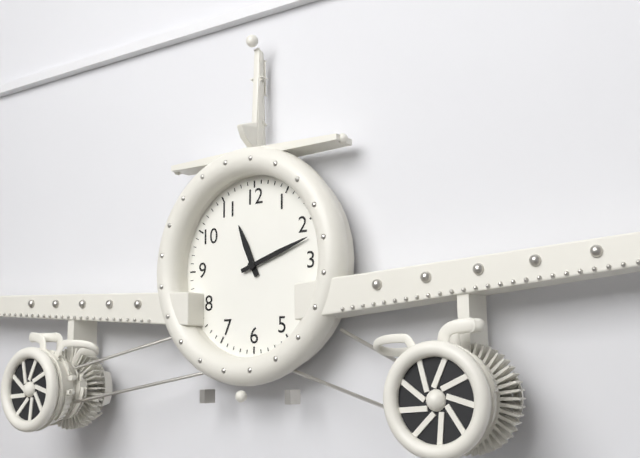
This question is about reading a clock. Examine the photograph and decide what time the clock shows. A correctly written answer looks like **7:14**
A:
**11:12**
